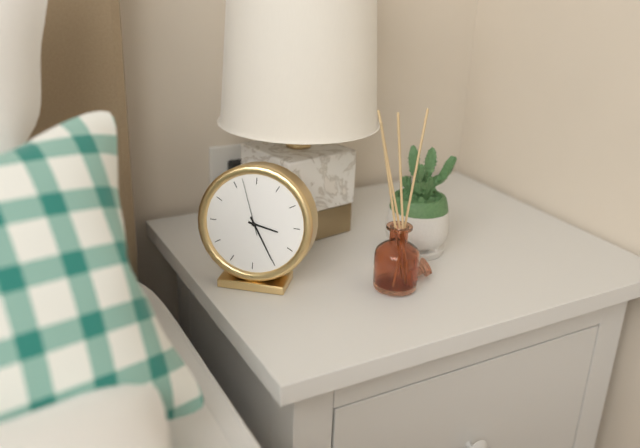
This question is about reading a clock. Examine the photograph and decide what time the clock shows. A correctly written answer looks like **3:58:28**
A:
**3:25:57**
